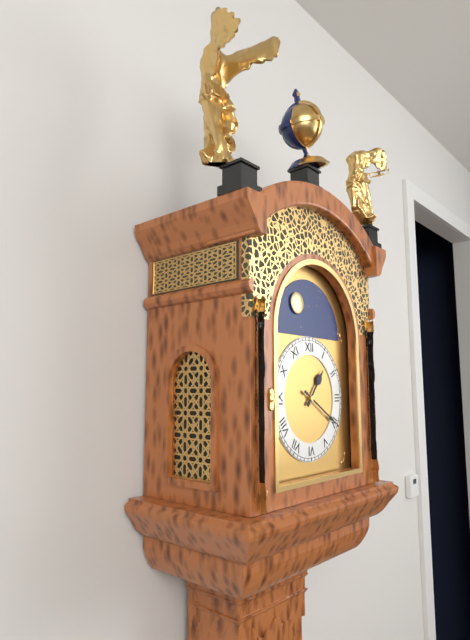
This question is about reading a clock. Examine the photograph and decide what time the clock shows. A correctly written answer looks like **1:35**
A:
**1:20**
